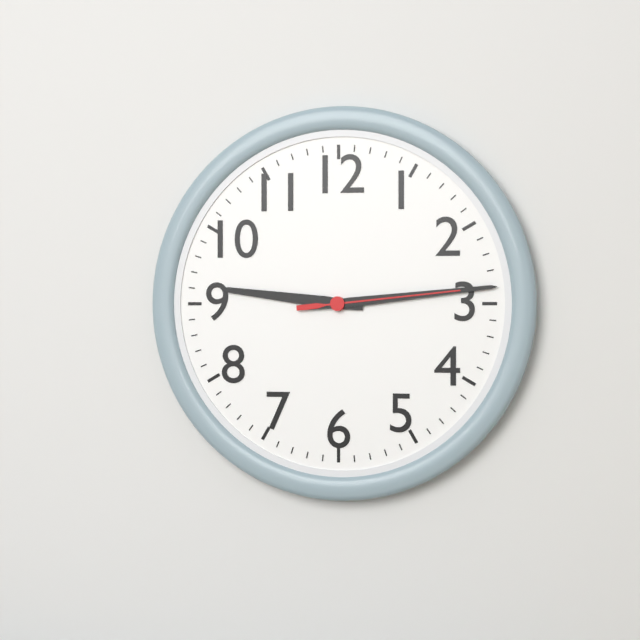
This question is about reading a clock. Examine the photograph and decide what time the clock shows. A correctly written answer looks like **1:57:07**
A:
**9:14:14**
